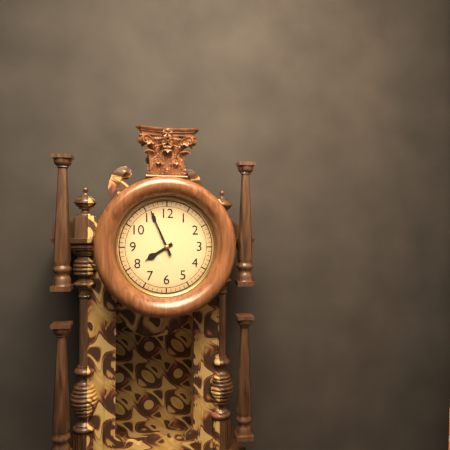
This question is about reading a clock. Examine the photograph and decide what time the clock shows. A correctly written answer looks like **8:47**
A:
**7:56**
